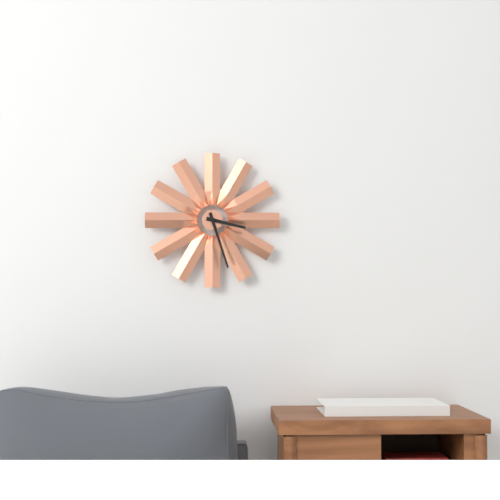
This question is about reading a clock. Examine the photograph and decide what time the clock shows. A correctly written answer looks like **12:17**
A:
**3:27**
